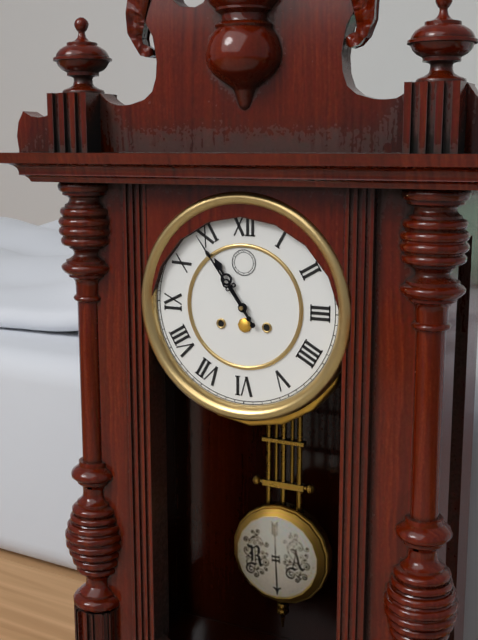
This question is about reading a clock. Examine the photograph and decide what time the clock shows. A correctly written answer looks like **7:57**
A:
**10:54**
